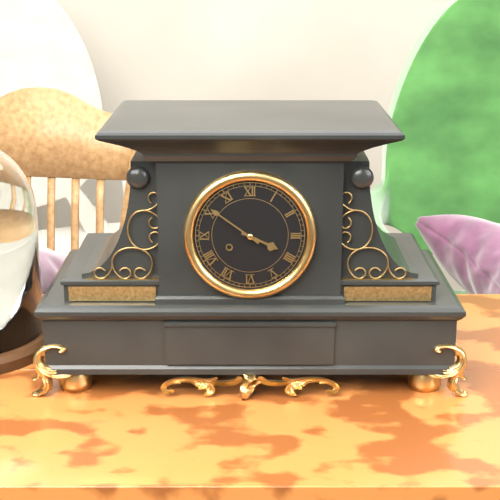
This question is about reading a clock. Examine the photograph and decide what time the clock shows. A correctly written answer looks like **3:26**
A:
**3:51**
